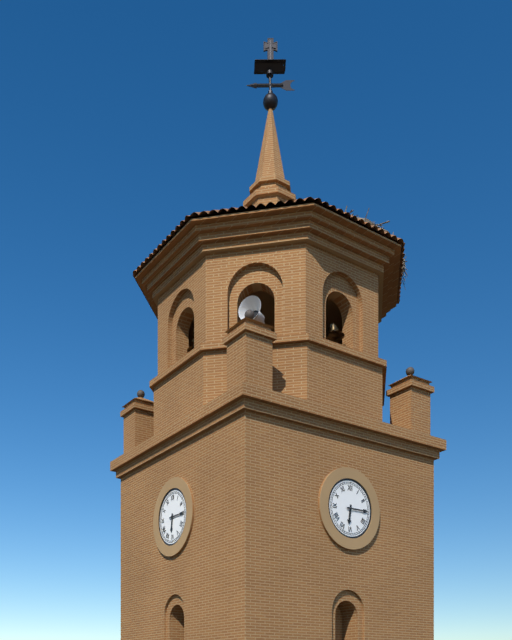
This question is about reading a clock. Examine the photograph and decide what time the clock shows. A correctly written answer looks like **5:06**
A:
**6:15**
